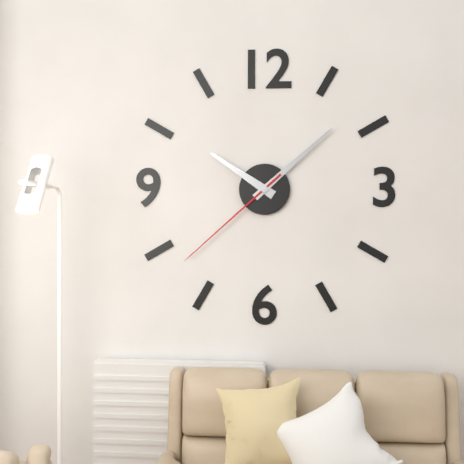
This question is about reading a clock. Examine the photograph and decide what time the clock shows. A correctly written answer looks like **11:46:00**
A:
**10:08:38**
